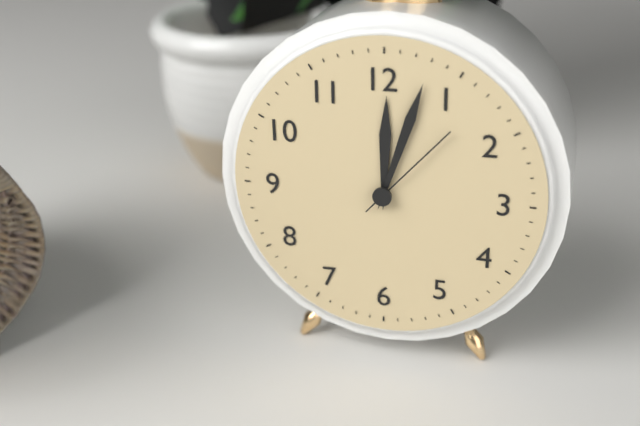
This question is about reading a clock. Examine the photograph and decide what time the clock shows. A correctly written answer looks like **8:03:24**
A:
**12:03:07**
